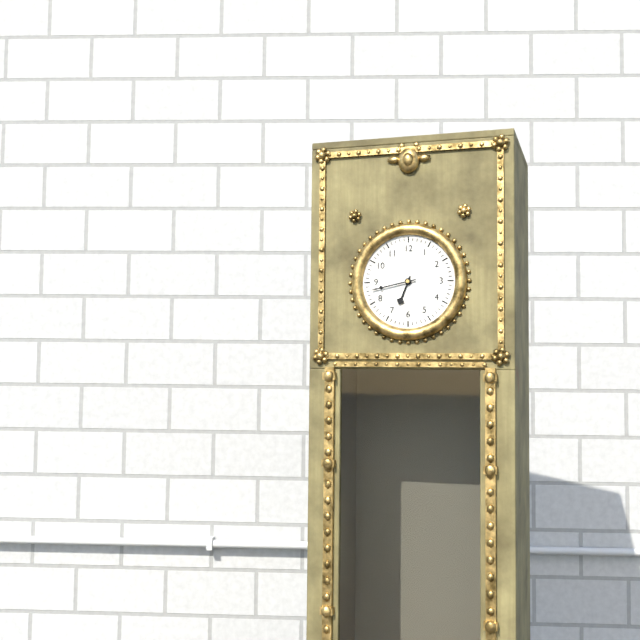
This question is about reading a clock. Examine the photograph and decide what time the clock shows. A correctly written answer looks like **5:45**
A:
**6:43**
